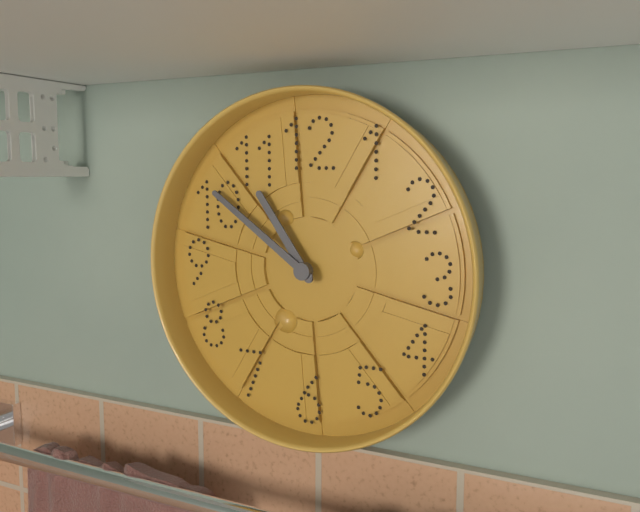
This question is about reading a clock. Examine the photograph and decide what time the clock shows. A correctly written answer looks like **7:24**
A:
**10:51**
